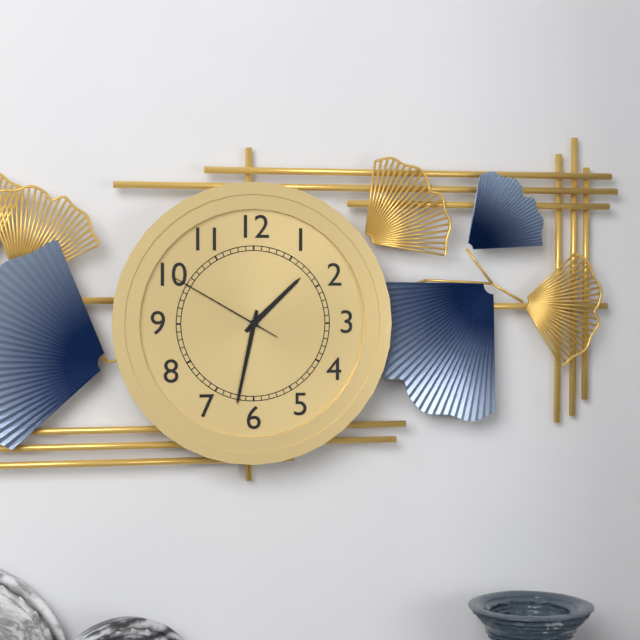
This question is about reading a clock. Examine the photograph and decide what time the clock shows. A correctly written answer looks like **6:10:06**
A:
**1:32:50**
